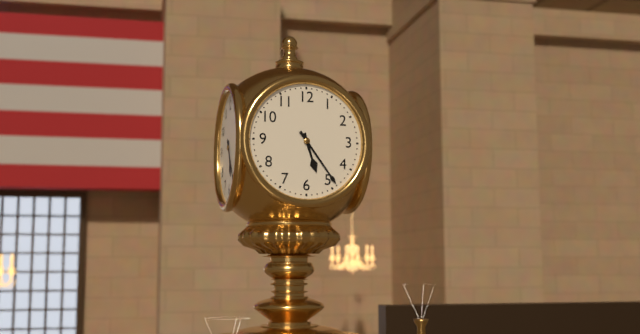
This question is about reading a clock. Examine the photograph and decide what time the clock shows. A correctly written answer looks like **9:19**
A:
**5:24**
